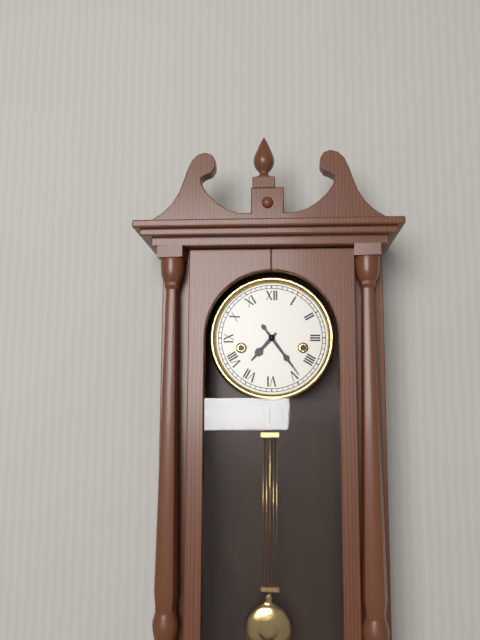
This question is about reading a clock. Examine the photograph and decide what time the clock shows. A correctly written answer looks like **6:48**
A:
**7:24**
